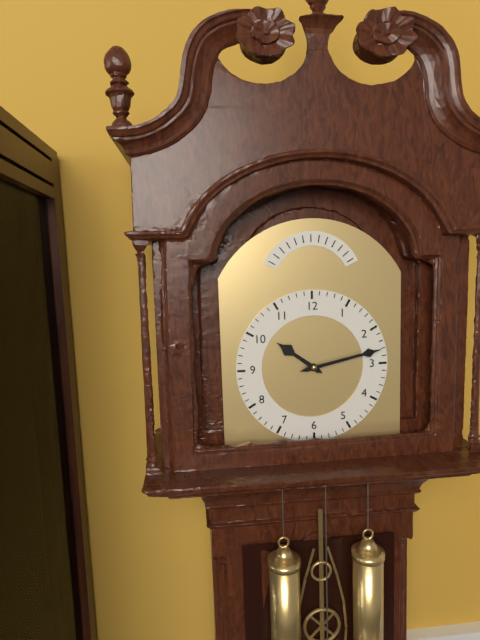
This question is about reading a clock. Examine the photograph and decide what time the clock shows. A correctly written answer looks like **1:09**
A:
**10:13**
